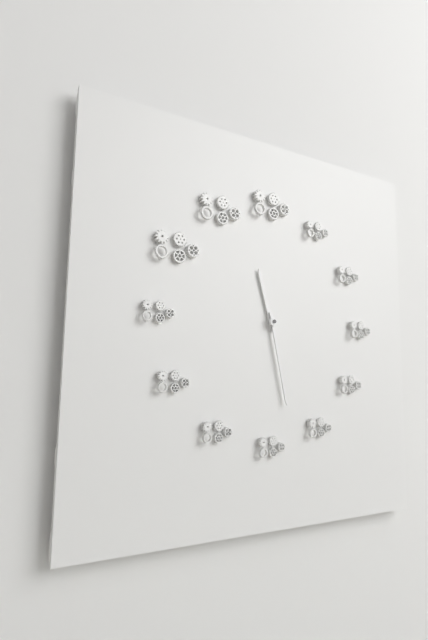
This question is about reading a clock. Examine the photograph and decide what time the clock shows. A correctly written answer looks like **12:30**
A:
**11:28**
